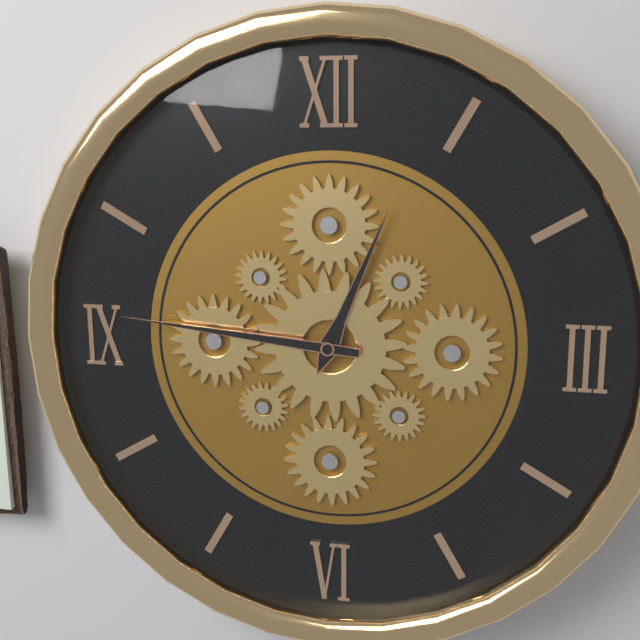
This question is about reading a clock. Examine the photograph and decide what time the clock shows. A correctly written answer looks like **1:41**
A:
**12:46**
